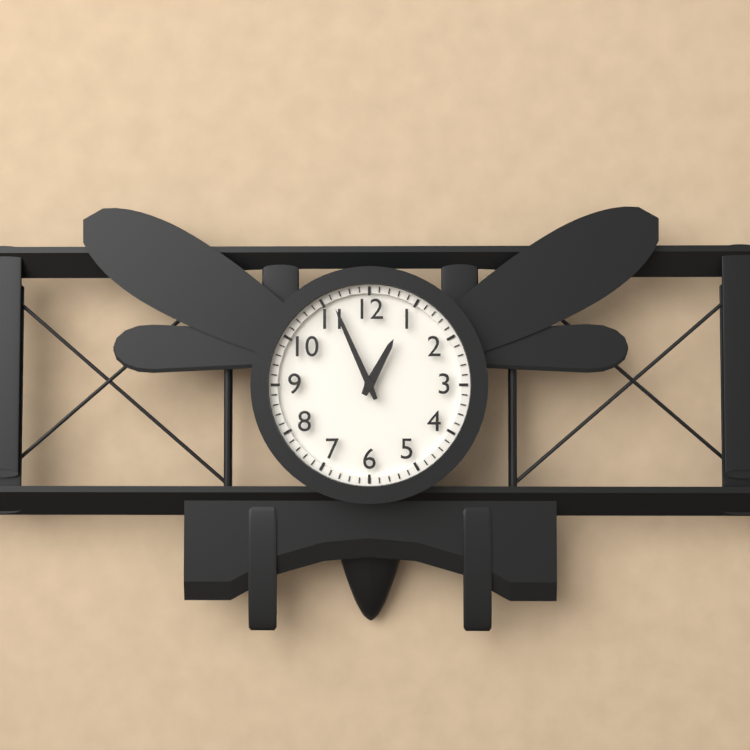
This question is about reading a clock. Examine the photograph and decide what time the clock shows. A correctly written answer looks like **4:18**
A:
**12:56**
